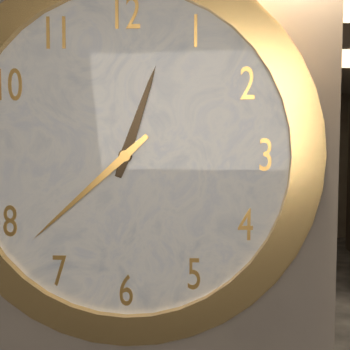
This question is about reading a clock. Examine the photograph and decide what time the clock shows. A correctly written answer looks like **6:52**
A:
**12:38**
